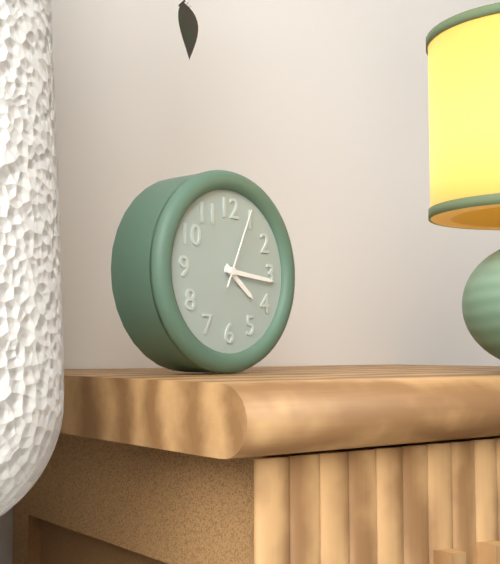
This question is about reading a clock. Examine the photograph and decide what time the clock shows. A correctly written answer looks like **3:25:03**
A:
**4:16:04**
